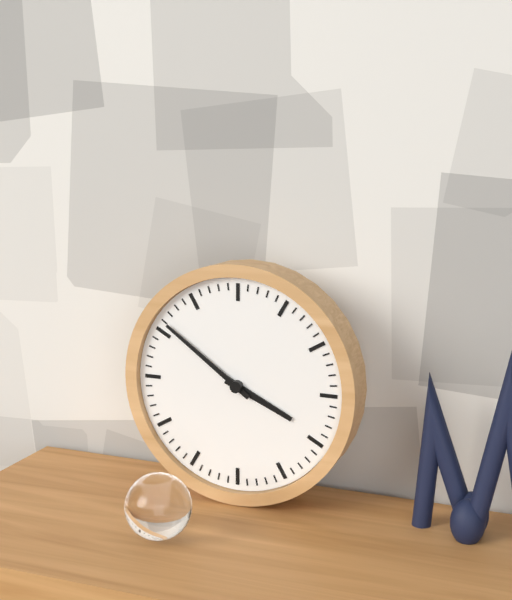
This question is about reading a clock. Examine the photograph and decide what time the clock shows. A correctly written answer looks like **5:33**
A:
**3:51**
